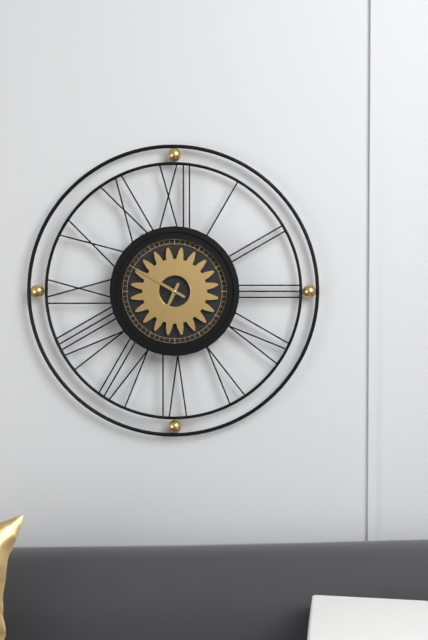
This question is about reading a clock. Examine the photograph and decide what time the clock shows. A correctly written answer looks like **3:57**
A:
**6:50**
